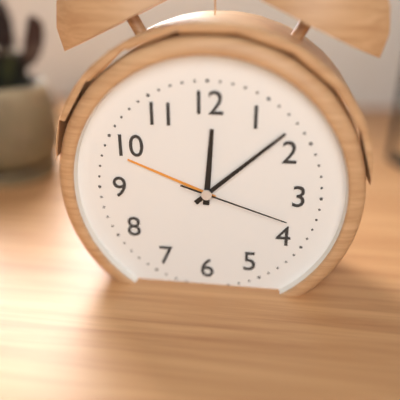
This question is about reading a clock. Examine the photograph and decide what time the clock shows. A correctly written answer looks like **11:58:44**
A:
**12:08:18**
